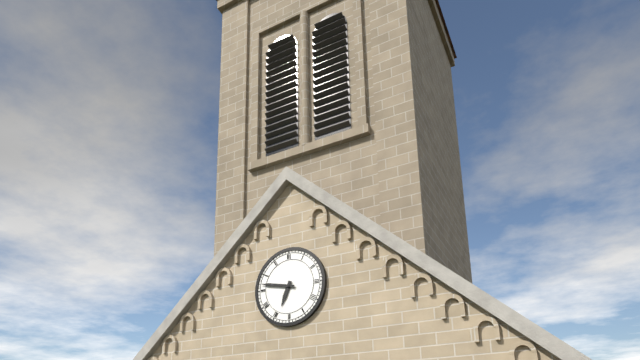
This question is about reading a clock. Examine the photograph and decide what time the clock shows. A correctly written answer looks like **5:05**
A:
**6:47**
